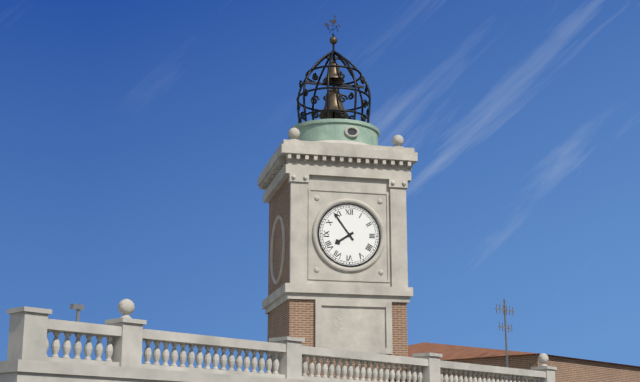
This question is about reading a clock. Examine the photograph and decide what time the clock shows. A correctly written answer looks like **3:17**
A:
**7:54**
